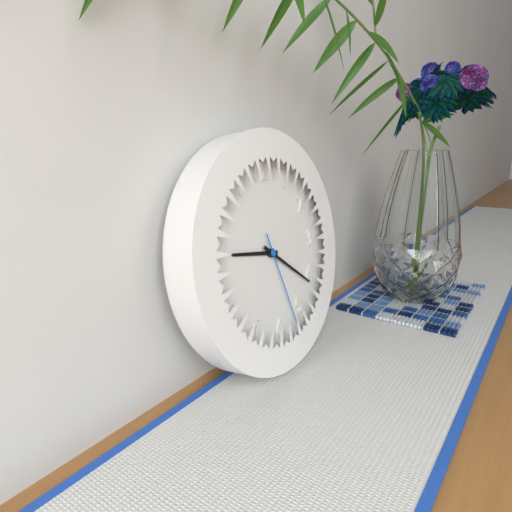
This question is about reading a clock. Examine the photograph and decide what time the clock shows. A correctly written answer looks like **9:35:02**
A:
**9:21:27**
